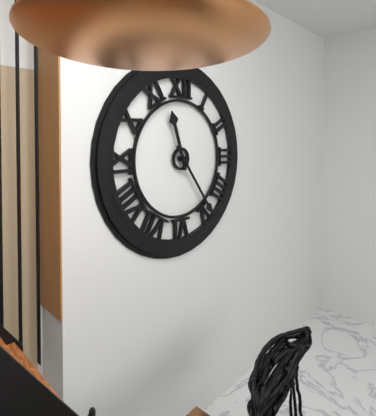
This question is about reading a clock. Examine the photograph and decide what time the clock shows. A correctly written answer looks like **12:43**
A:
**11:24**
